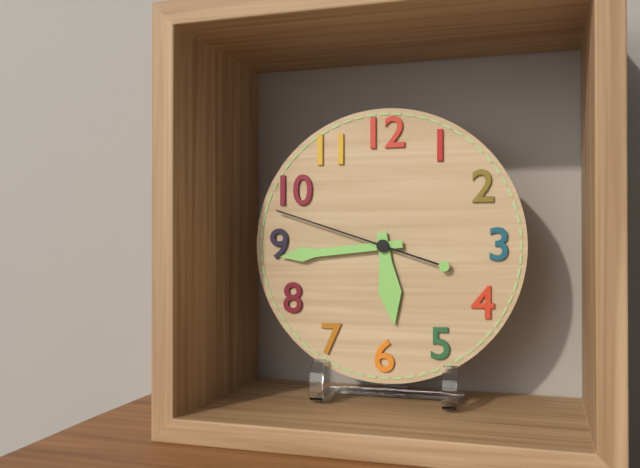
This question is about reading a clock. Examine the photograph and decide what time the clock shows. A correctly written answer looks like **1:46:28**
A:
**5:44:48**
